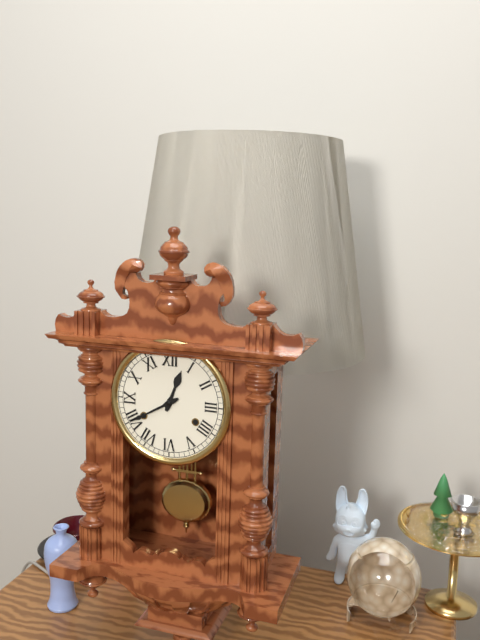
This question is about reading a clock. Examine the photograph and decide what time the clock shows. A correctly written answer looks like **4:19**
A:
**12:40**
